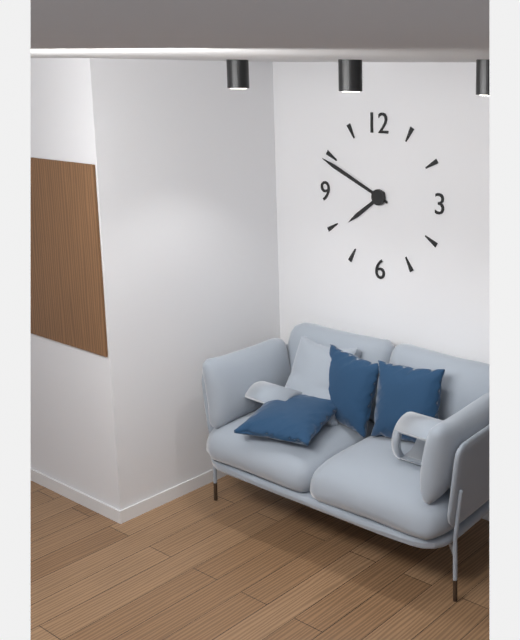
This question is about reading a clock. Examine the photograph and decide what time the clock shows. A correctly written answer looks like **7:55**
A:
**7:49**
